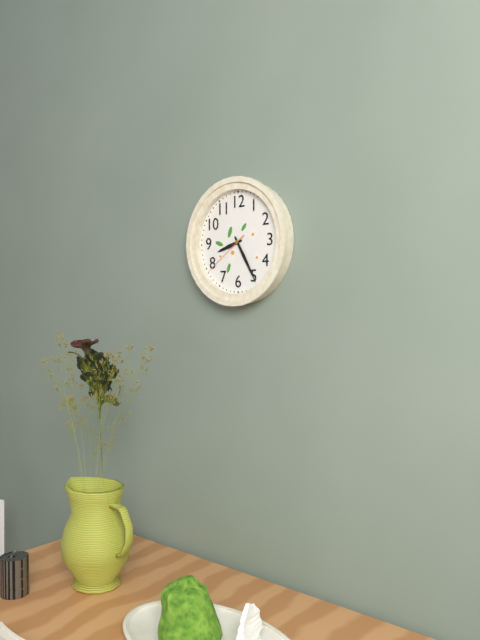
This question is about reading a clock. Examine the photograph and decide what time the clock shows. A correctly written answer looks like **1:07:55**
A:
**8:25:39**
